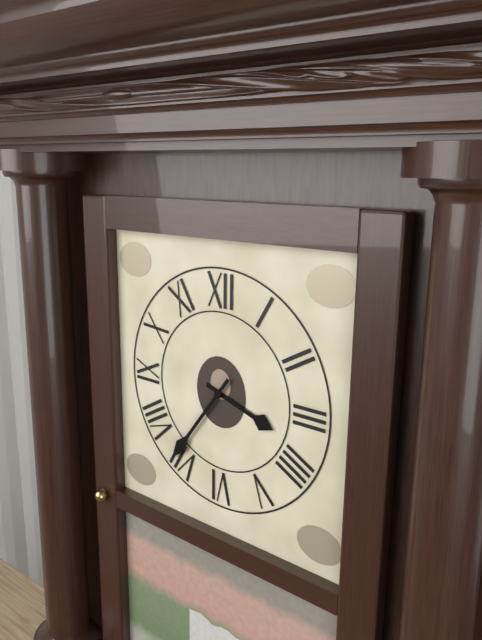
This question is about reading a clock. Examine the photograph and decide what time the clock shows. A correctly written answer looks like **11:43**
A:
**3:36**
